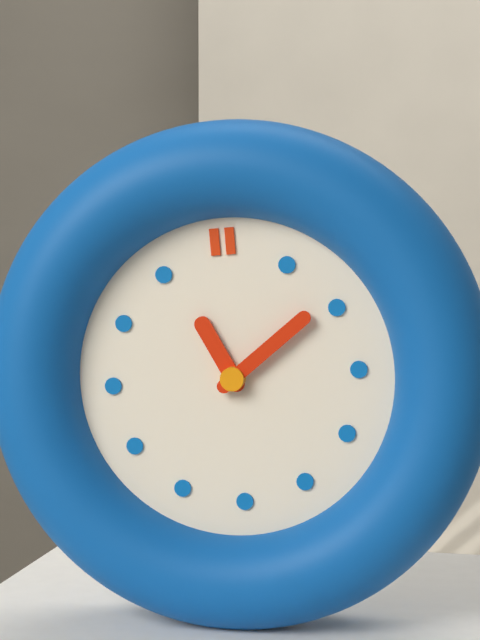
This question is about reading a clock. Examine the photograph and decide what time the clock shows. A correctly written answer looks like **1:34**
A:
**11:09**
